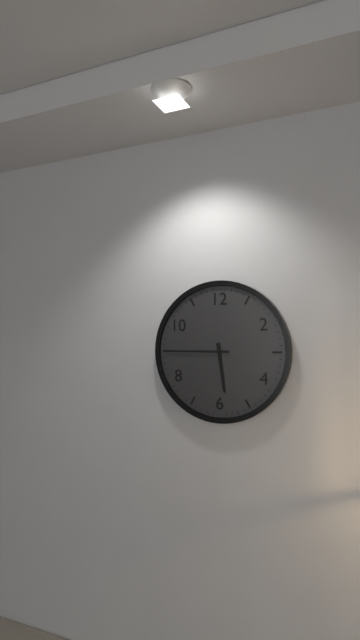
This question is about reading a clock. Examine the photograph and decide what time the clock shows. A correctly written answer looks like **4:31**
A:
**5:45**
